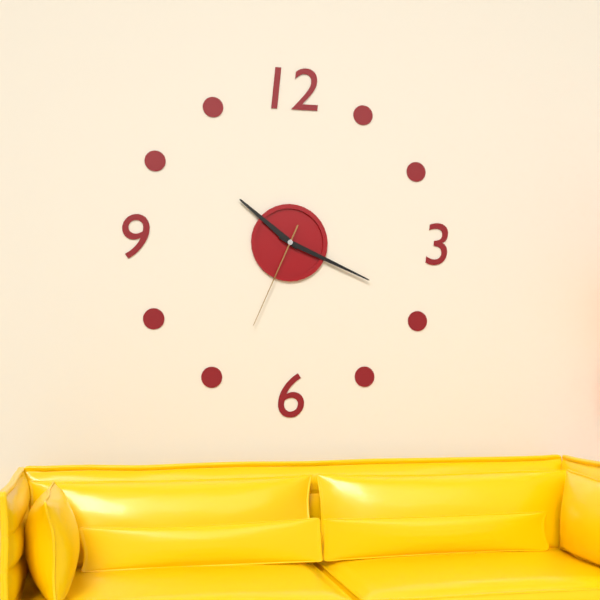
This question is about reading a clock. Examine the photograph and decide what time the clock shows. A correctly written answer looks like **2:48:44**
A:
**10:19:34**
